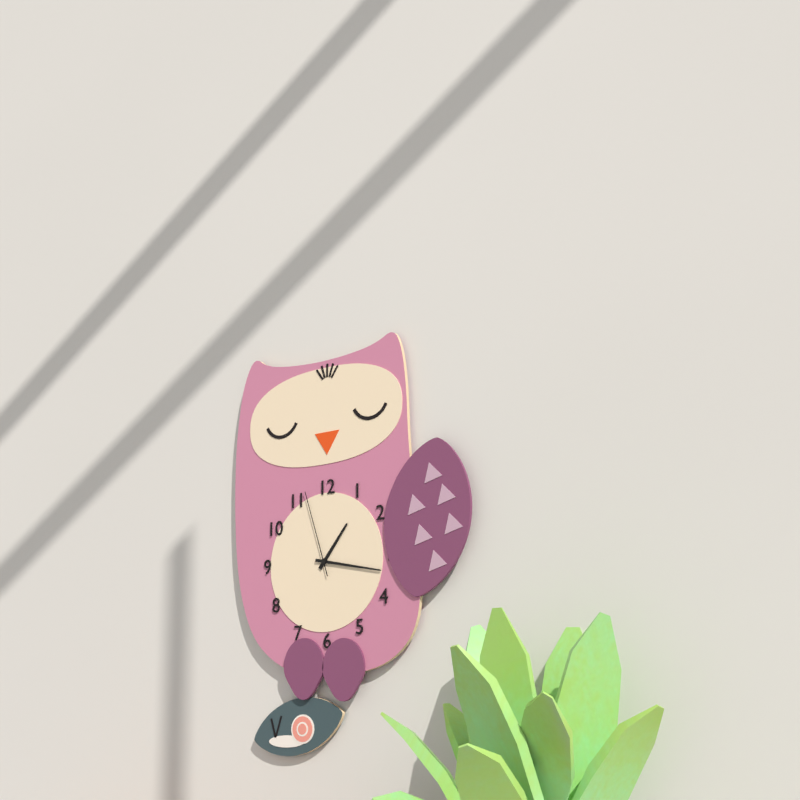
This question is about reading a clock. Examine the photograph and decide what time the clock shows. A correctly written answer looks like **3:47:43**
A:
**1:17:57**
